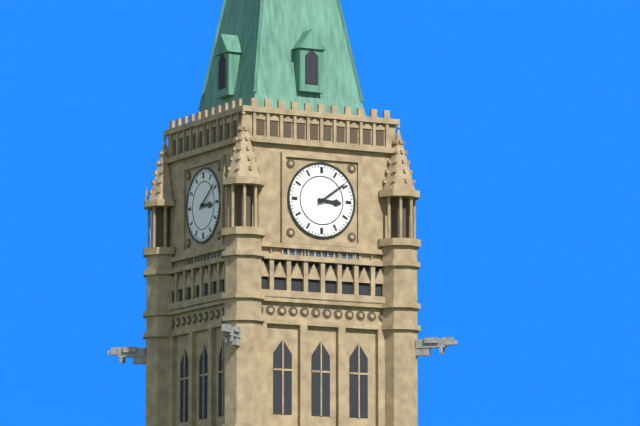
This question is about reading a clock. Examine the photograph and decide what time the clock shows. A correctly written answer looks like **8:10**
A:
**3:09**
